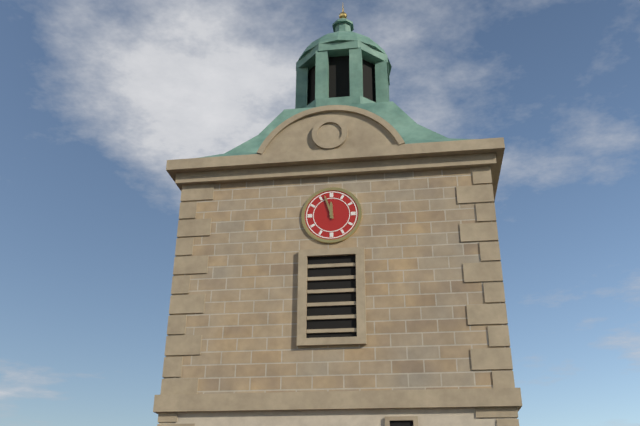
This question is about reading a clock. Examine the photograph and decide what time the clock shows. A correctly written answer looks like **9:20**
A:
**11:57**
